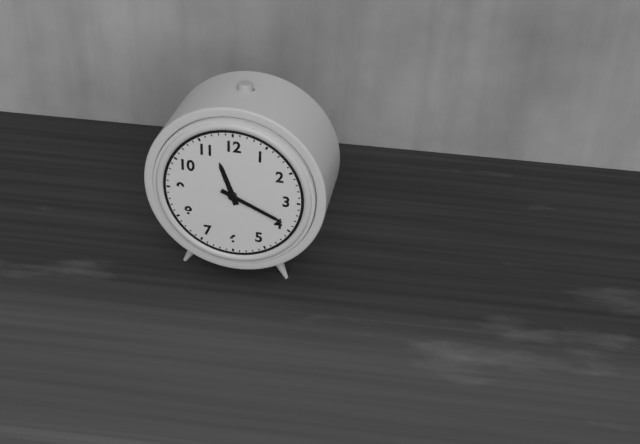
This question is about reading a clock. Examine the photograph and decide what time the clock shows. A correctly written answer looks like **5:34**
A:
**11:19**
